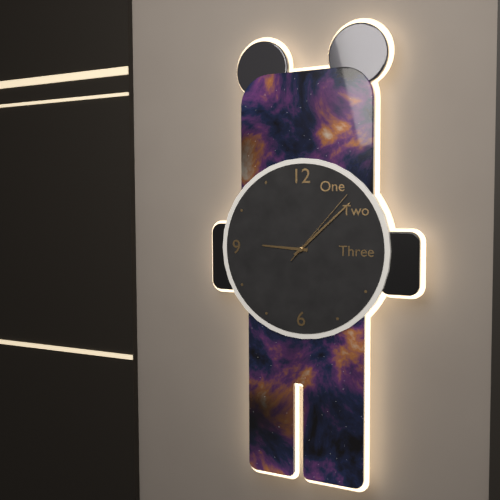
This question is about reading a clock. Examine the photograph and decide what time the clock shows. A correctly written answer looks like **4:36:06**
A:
**9:08:07**
